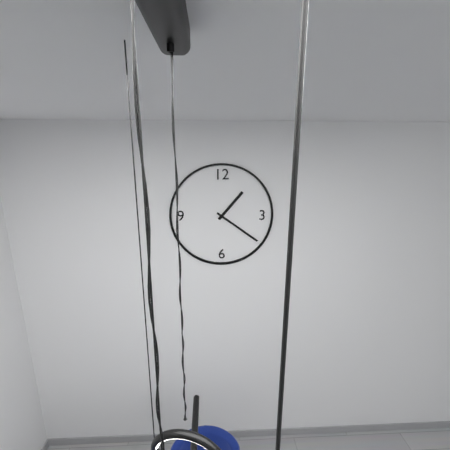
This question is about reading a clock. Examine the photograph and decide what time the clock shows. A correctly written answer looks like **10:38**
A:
**1:21**
